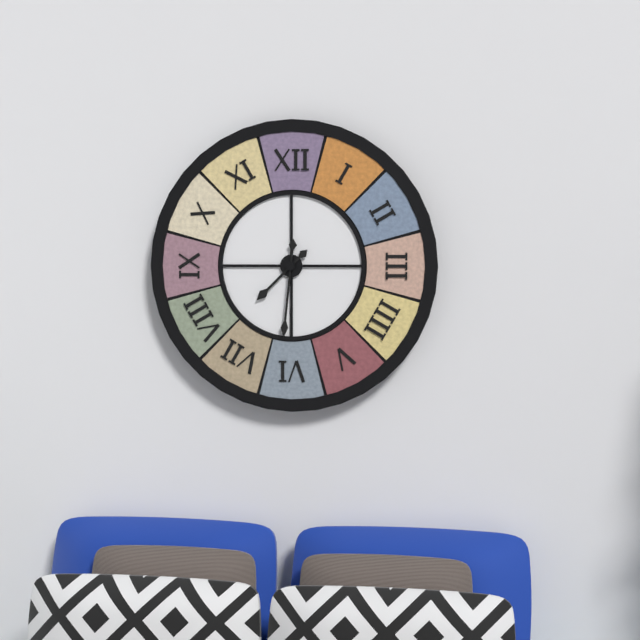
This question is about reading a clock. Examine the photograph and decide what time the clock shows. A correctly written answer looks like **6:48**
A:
**7:31**
